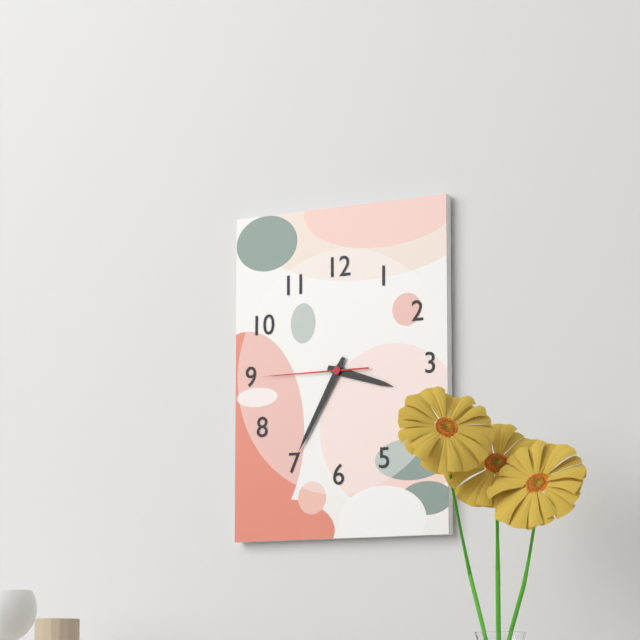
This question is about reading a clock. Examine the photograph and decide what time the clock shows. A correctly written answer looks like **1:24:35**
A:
**3:35:45**
